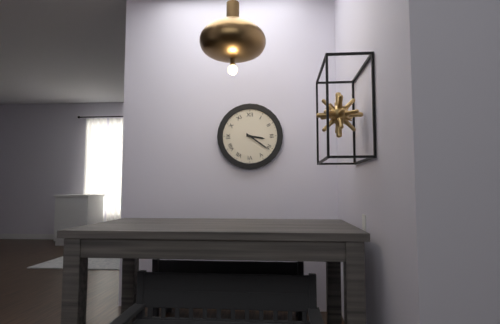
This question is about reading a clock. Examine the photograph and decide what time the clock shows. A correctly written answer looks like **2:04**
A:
**3:21**
